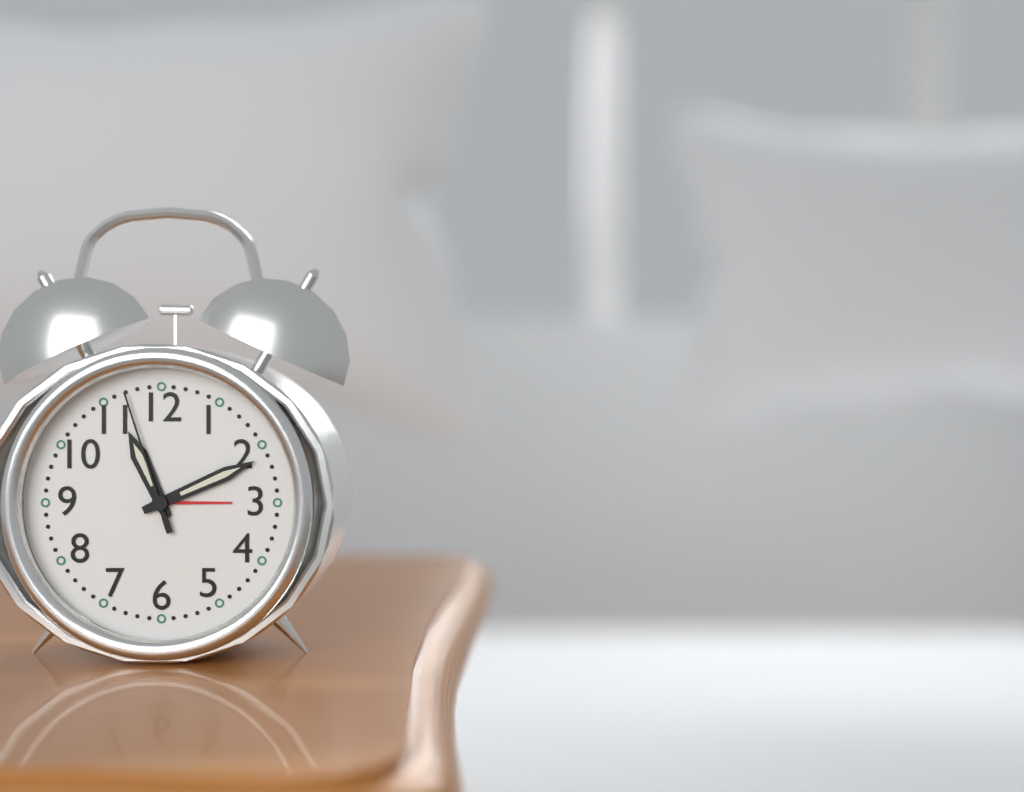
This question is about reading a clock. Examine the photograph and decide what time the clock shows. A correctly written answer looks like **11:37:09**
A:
**11:11:57**
